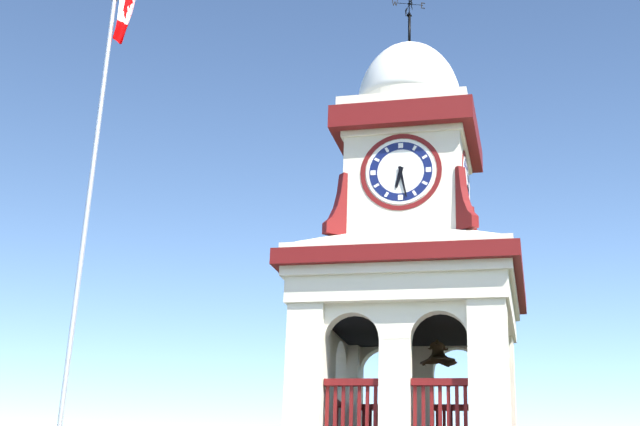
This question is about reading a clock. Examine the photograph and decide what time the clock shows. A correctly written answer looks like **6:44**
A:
**6:28**
